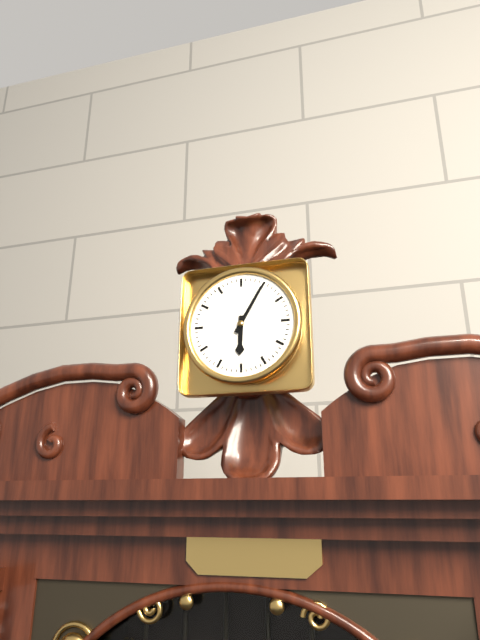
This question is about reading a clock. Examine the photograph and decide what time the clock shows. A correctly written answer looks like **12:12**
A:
**6:05**
